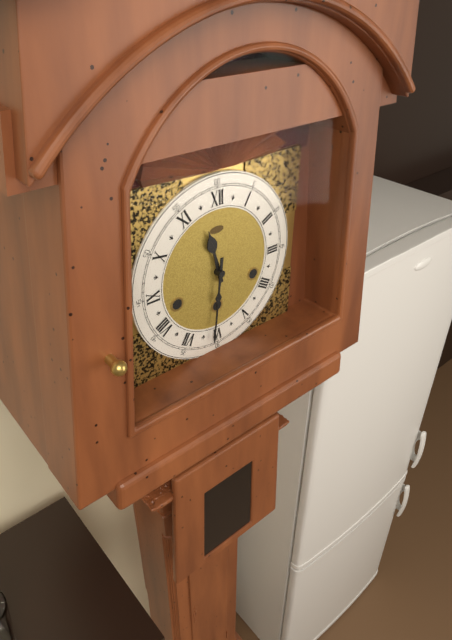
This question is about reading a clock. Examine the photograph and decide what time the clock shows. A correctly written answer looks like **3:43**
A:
**11:31**
